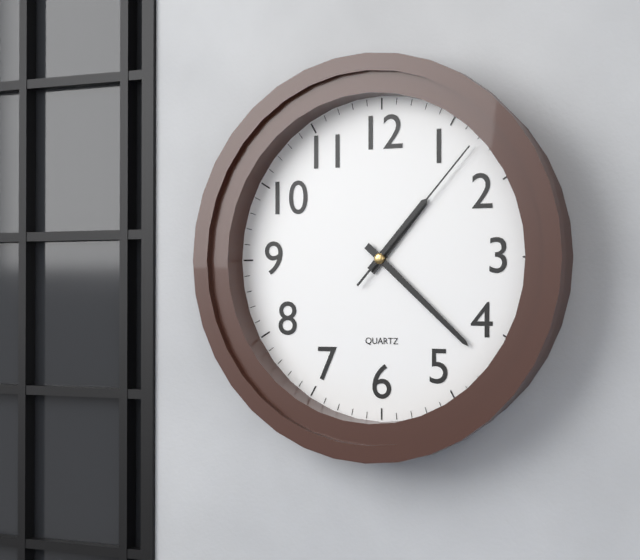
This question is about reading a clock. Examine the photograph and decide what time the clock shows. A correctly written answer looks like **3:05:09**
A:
**1:22:07**
